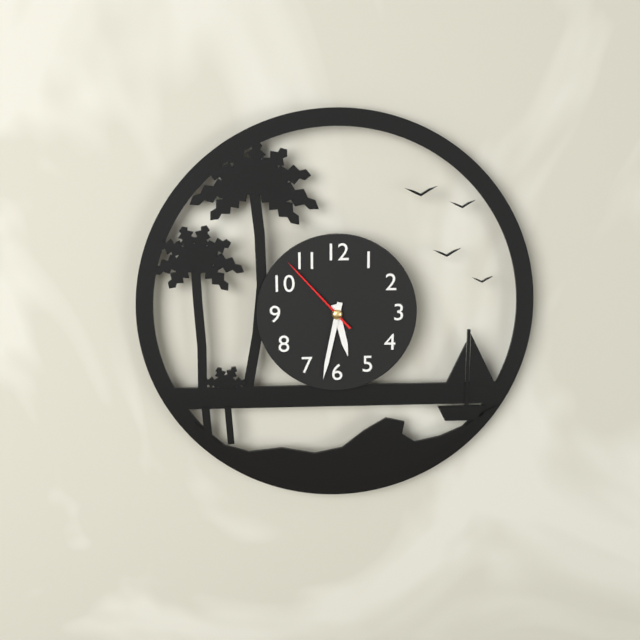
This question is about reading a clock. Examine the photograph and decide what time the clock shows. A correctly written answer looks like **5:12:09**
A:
**5:32:53**
